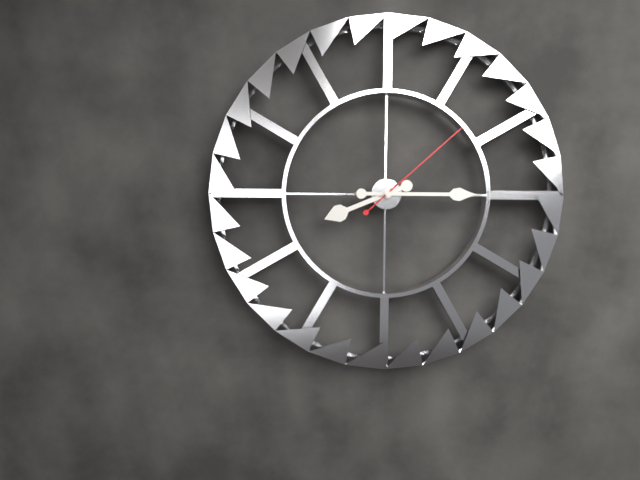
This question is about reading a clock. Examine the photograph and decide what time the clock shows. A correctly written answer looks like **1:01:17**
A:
**8:15:08**
